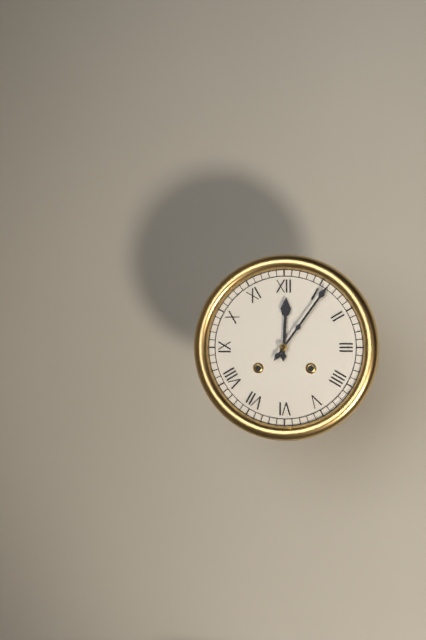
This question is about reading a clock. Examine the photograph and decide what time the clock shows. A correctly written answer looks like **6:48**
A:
**12:06**
